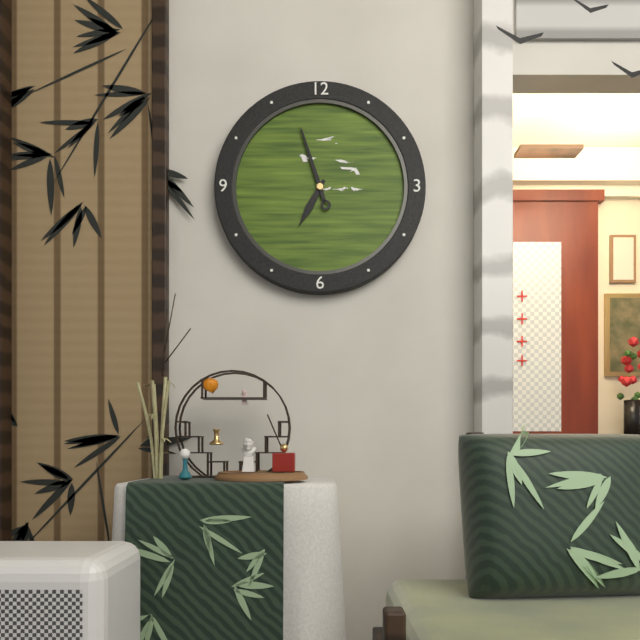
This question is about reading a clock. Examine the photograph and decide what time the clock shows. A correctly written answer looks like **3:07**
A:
**6:57**
